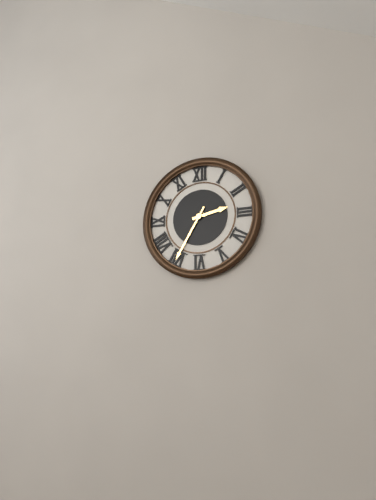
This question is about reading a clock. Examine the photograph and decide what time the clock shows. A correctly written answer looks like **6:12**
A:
**2:35**
